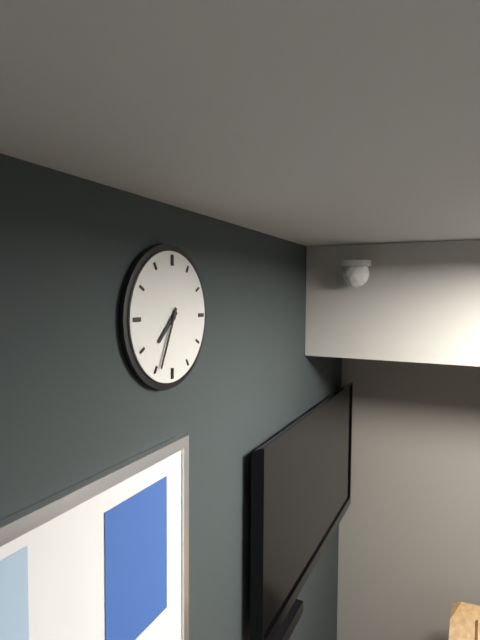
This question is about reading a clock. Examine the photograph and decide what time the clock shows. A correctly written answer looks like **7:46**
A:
**7:34**
